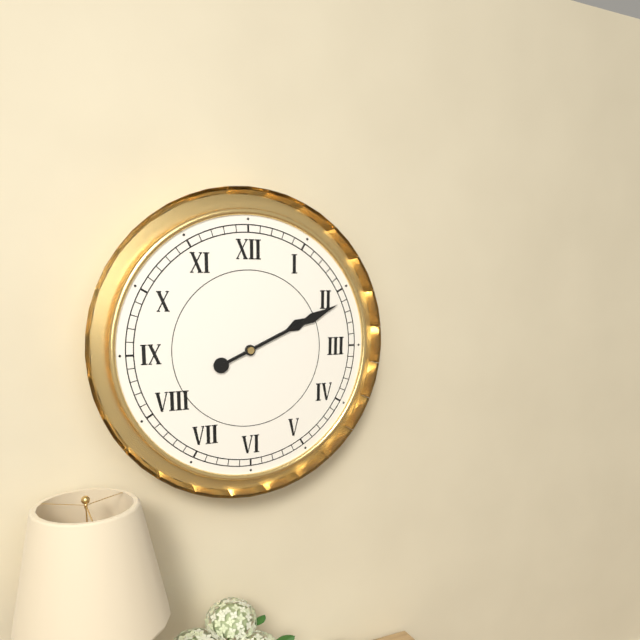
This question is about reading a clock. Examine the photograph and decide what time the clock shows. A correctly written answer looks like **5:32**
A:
**2:11**
